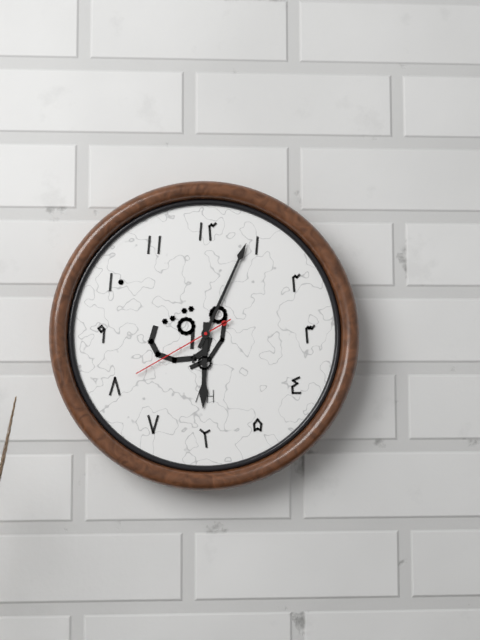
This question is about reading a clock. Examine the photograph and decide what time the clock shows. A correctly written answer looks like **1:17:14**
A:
**6:04:40**
